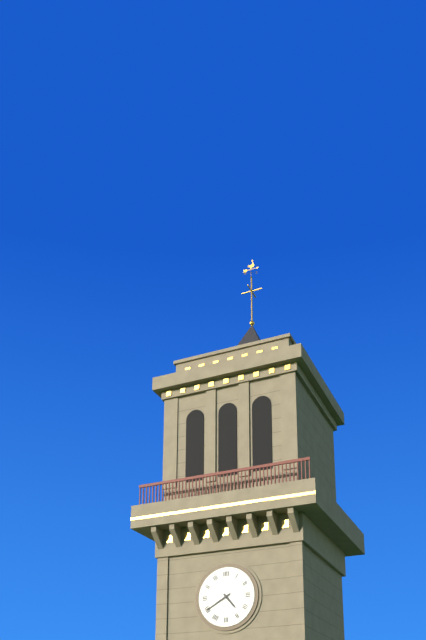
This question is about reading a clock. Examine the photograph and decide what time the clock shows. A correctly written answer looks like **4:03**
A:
**4:40**
